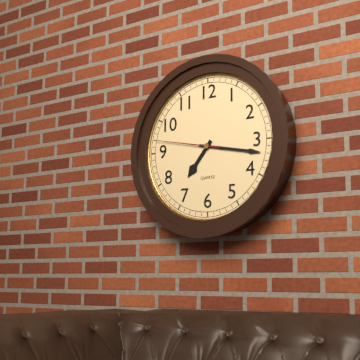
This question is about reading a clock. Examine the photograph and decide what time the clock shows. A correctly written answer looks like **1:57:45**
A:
**7:17:47**
